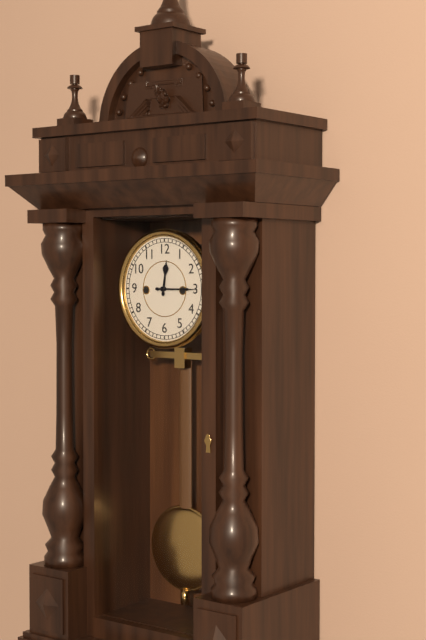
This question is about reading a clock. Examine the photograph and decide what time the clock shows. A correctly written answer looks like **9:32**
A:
**12:15**
